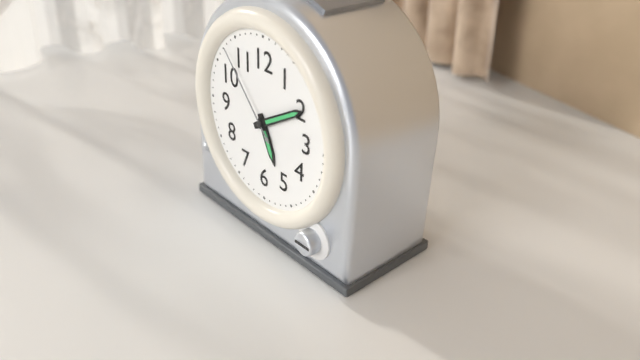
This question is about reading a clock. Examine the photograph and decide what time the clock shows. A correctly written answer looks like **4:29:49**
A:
**5:10:53**
